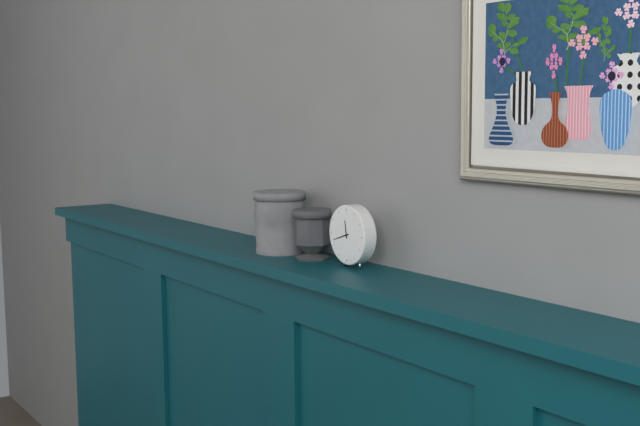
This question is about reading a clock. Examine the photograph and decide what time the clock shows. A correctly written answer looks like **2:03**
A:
**11:42**
